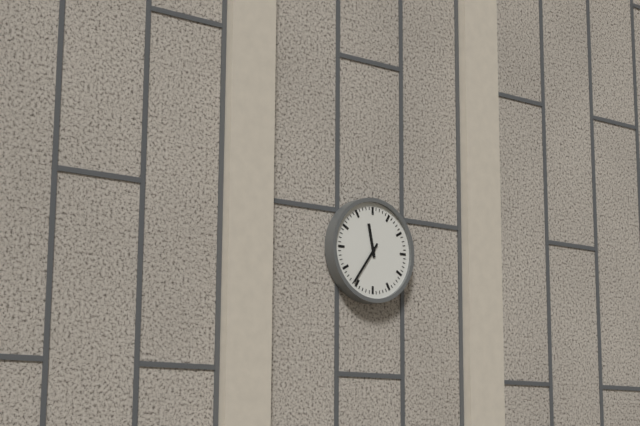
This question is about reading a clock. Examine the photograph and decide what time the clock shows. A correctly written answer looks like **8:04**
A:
**11:36**
